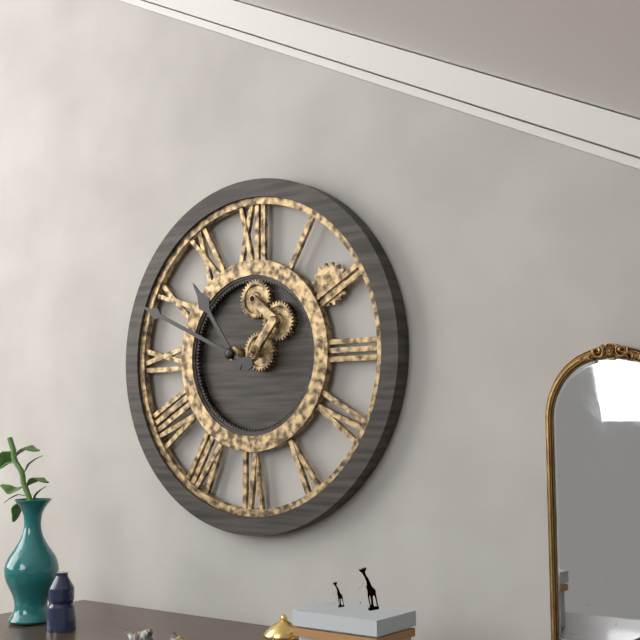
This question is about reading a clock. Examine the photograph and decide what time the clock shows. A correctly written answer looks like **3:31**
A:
**10:49**
